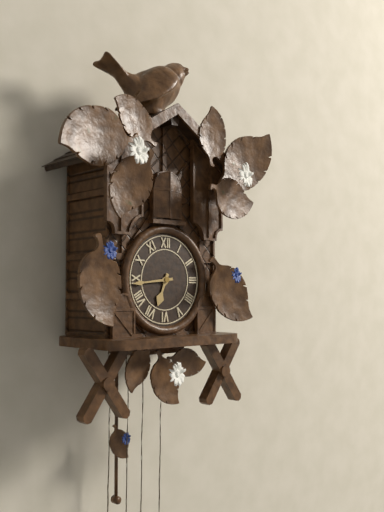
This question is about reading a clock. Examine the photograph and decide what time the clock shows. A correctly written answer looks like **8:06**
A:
**6:44**
